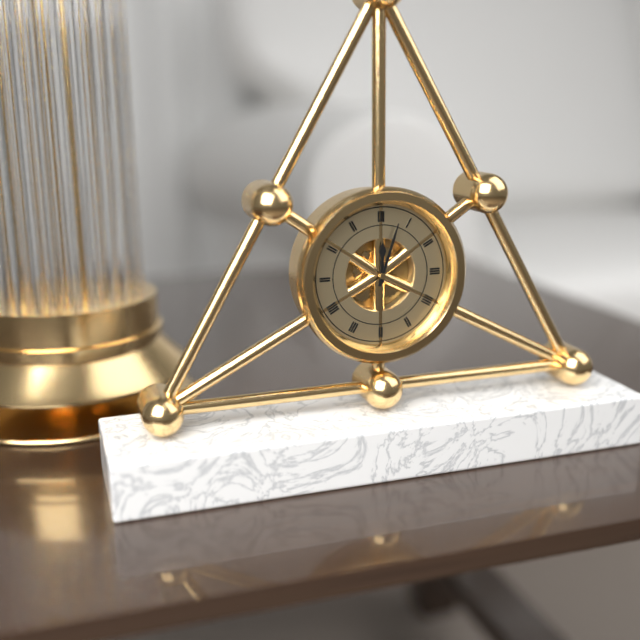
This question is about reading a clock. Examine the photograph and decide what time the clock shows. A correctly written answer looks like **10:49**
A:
**12:03**
